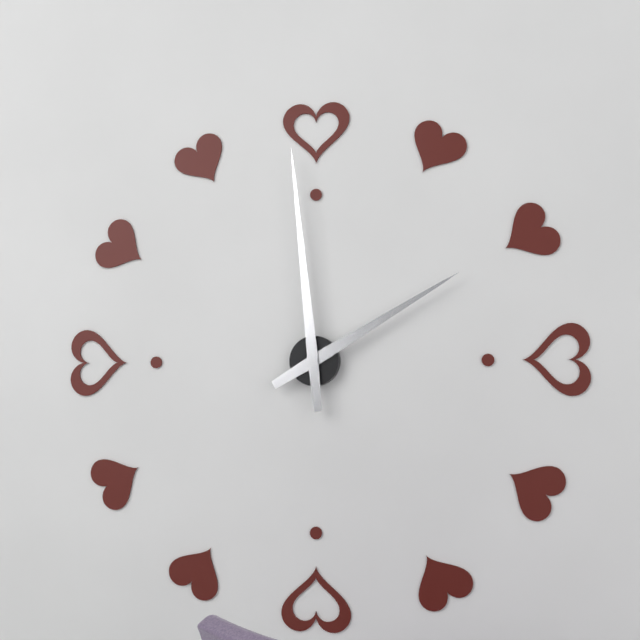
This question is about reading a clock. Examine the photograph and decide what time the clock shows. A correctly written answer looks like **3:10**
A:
**1:59**
